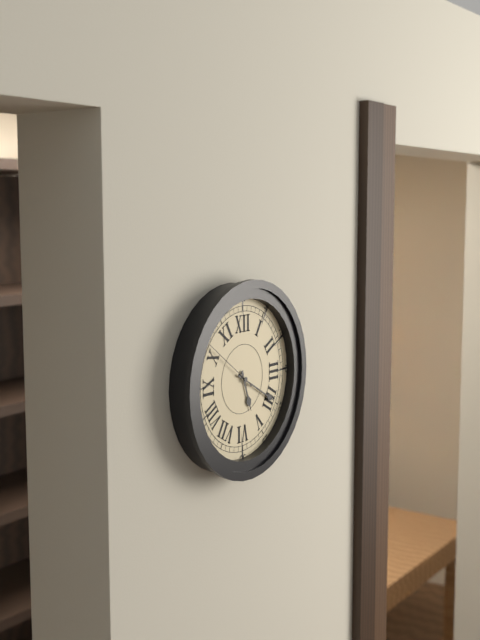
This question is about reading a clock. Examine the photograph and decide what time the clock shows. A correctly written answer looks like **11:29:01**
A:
**5:20:51**
